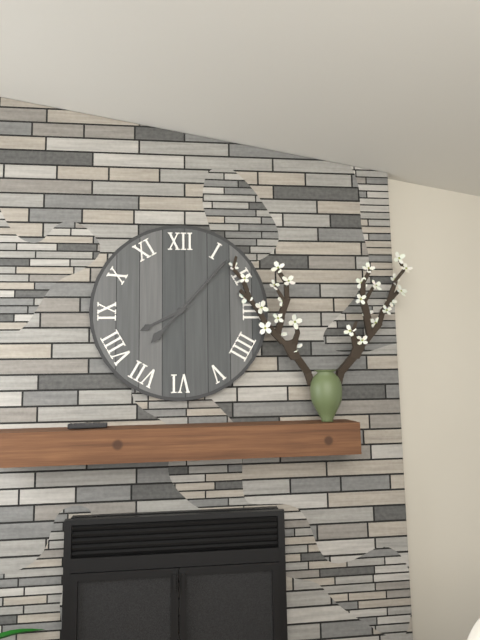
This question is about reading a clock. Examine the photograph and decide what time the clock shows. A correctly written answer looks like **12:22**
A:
**8:07**
